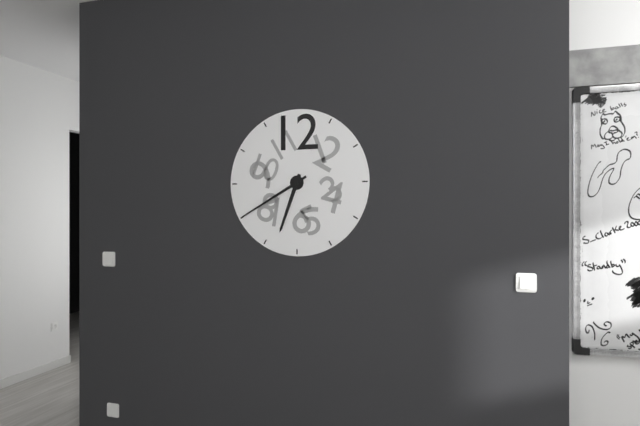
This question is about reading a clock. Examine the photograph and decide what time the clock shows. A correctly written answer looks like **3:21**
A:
**6:40**
